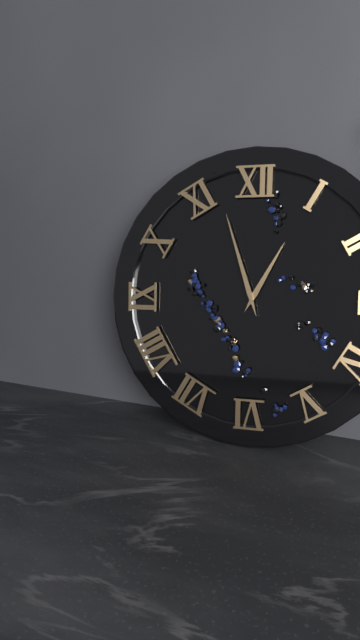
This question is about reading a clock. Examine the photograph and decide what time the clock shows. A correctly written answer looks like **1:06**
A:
**12:57**
